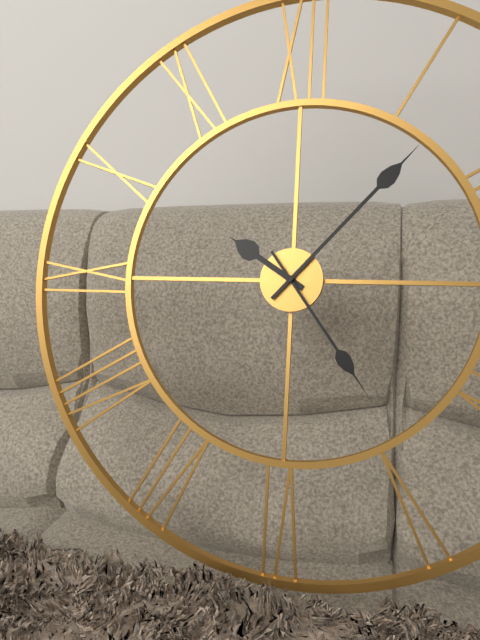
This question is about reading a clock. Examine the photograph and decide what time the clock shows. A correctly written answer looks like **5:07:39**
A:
**10:07:24**
